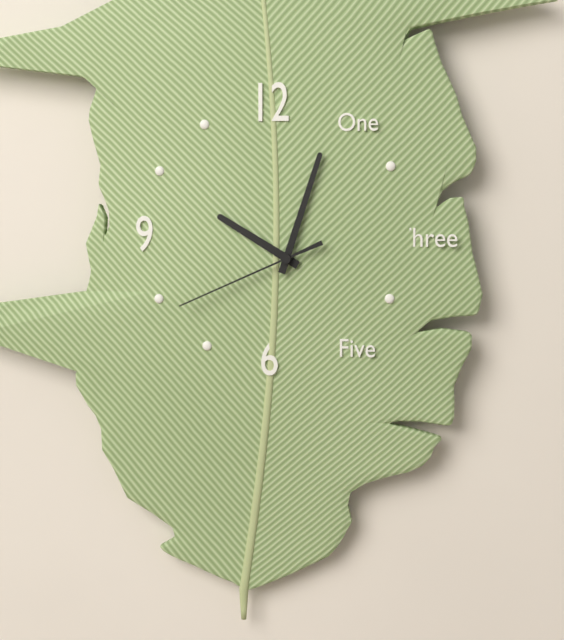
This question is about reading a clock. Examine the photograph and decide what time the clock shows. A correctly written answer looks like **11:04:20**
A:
**10:03:41**
